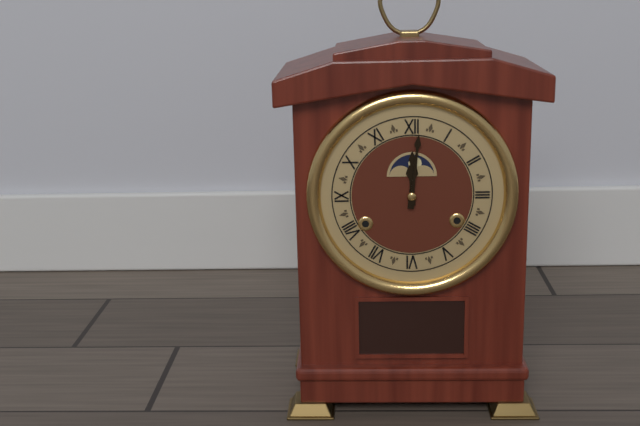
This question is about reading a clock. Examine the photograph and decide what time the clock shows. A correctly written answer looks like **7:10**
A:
**12:01**
